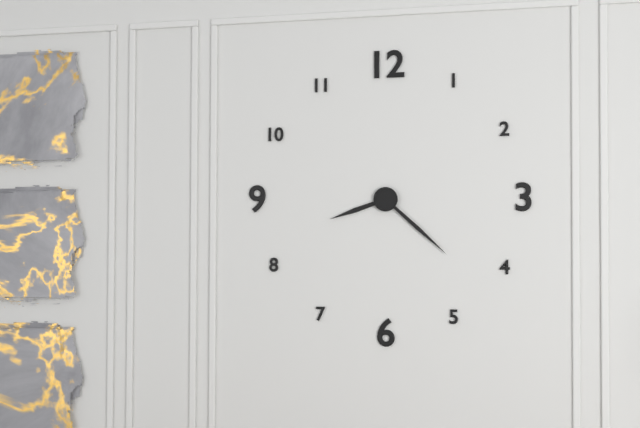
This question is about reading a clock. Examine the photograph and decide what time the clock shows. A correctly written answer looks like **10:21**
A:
**8:22**
